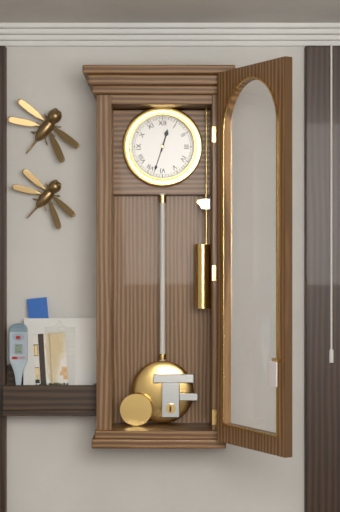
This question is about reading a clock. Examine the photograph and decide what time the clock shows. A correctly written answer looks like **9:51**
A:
**12:33**
